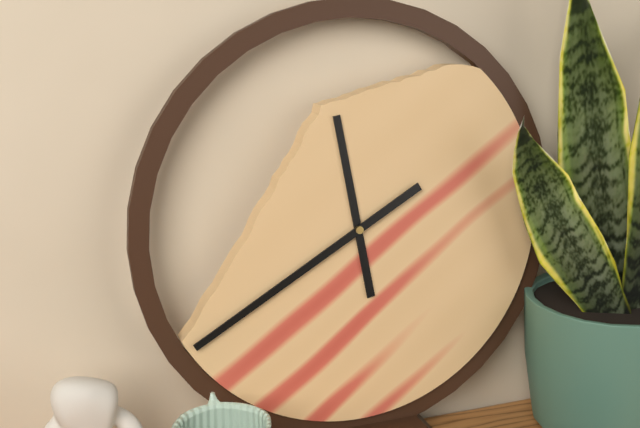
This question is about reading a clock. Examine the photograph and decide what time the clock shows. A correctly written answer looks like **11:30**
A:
**11:40**
